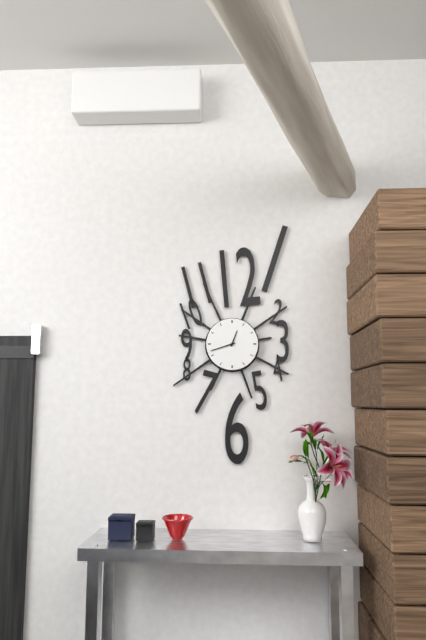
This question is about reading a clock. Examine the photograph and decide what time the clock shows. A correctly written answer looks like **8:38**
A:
**12:42**
